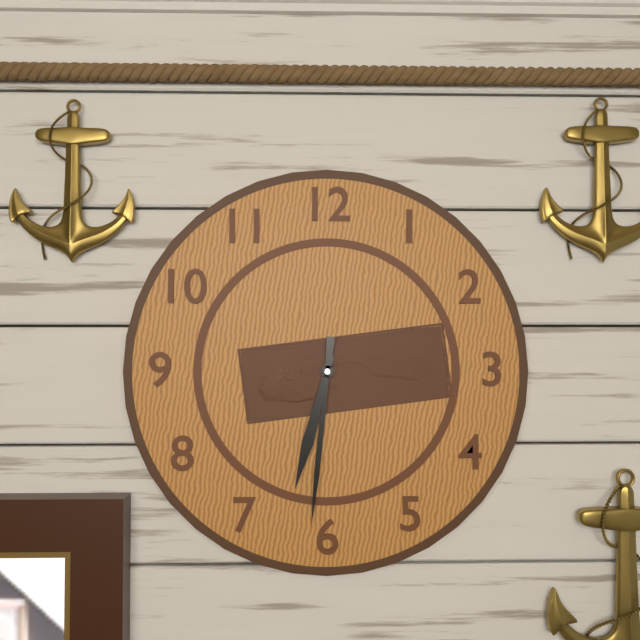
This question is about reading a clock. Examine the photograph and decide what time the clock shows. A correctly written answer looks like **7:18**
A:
**6:31**
